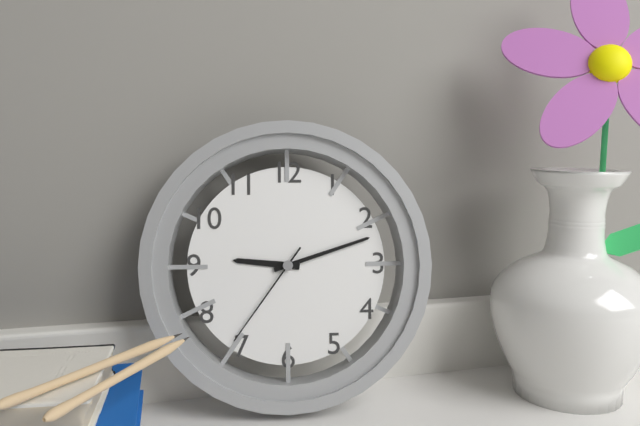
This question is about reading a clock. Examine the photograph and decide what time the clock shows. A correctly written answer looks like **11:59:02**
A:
**9:12:36**
